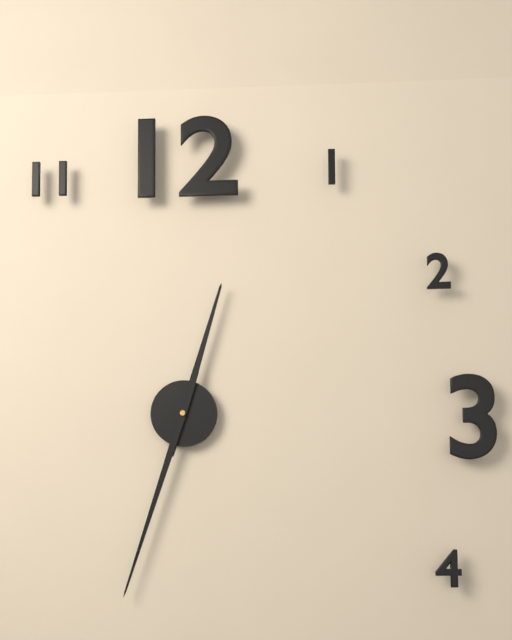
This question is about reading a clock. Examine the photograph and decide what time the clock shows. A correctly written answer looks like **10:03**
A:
**12:33**
